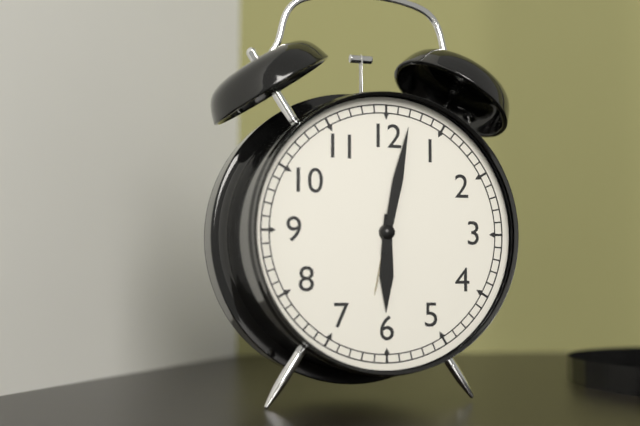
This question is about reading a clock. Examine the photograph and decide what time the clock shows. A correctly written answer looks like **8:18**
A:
**6:02**
